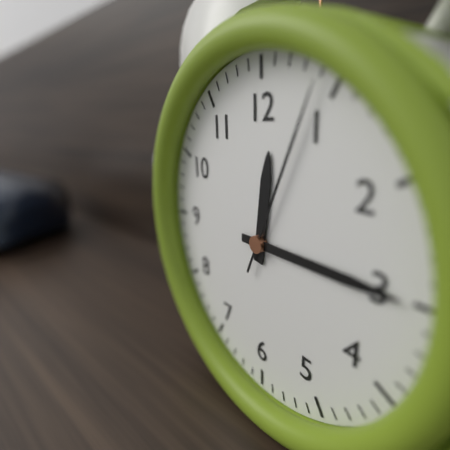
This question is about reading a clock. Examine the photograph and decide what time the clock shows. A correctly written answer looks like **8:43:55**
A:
**12:15:04**
